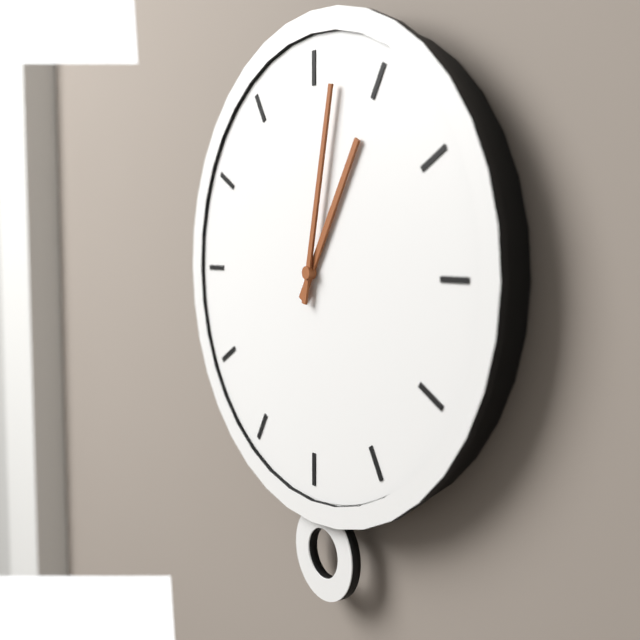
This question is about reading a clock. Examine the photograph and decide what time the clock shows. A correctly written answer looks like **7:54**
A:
**1:02**
